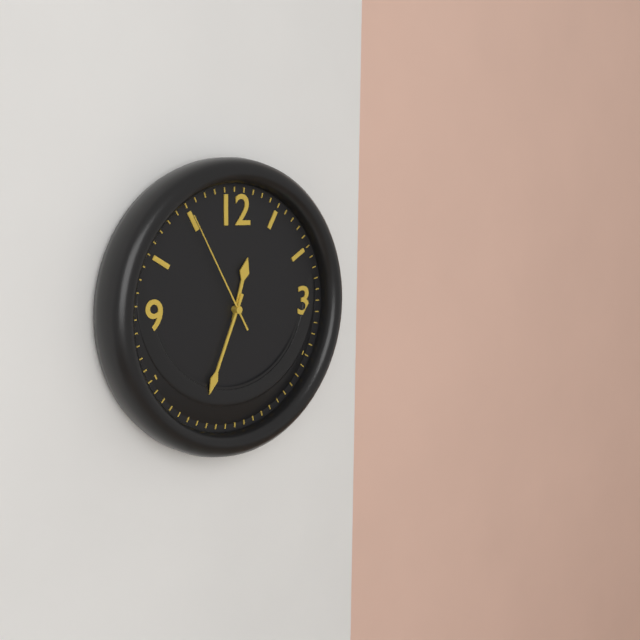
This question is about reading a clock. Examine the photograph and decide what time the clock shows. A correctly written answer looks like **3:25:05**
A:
**12:34:55**
